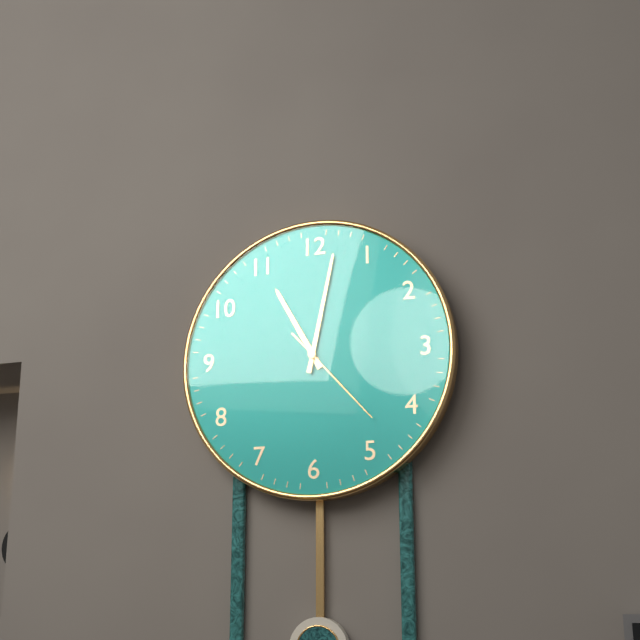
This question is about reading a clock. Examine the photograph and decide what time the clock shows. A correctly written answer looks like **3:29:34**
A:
**11:02:23**
